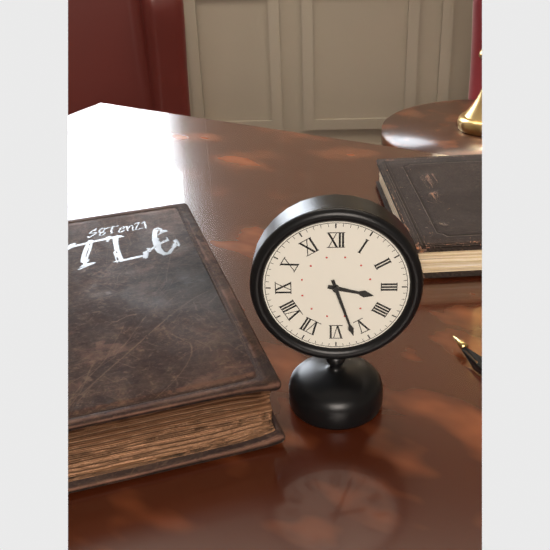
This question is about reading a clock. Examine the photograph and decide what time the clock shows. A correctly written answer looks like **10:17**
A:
**3:27**
